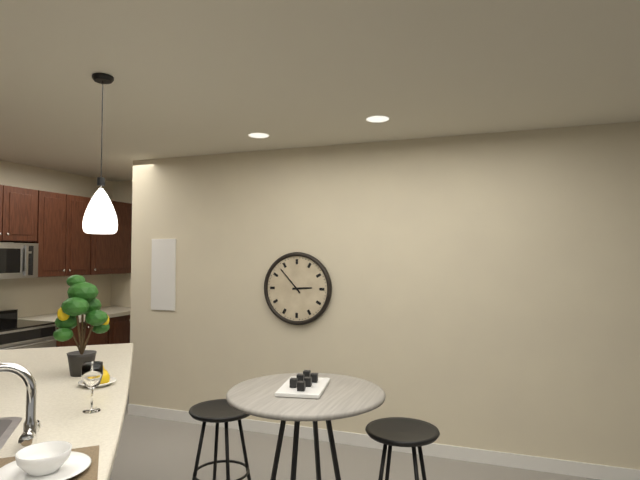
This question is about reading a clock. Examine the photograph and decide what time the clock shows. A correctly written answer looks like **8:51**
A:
**2:53**
